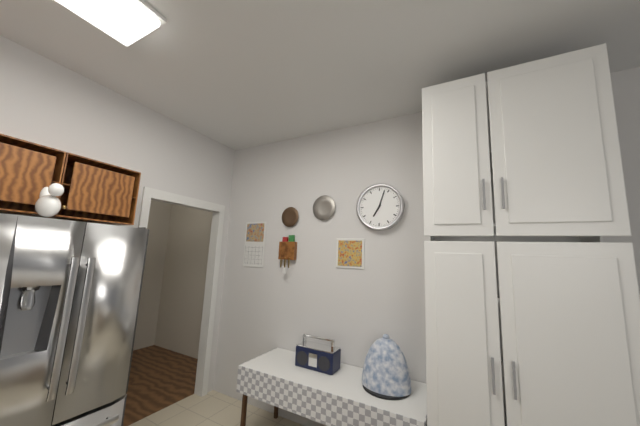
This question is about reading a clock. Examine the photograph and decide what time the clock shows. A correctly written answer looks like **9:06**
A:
**7:03**
